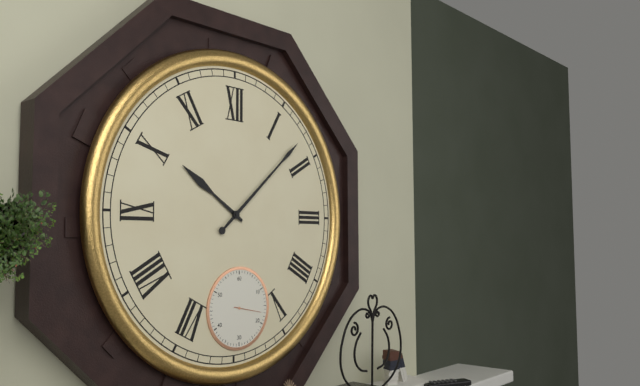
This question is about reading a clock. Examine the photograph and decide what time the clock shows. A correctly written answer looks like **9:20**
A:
**10:08**
